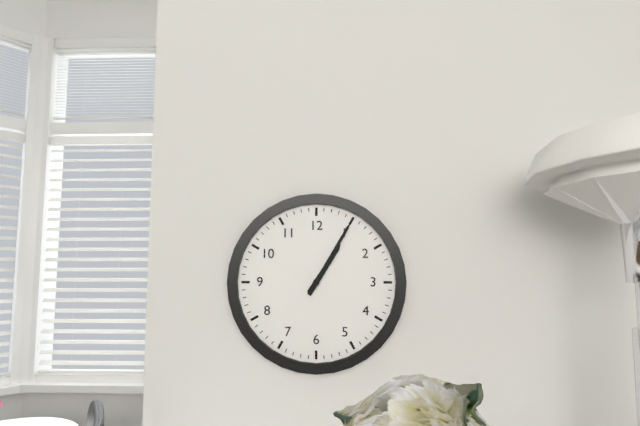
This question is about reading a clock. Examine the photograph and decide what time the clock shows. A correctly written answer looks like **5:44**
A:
**1:05**
